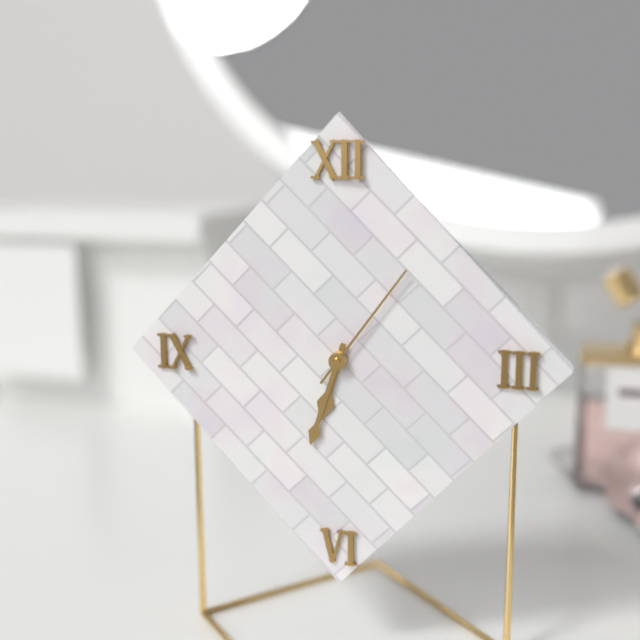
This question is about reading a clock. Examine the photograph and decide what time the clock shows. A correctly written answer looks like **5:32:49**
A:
**6:33:06**
